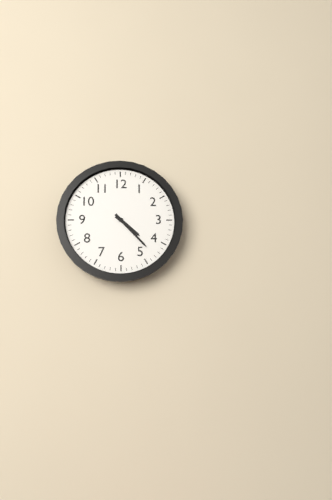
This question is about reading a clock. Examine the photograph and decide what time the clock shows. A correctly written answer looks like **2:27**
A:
**4:23**
